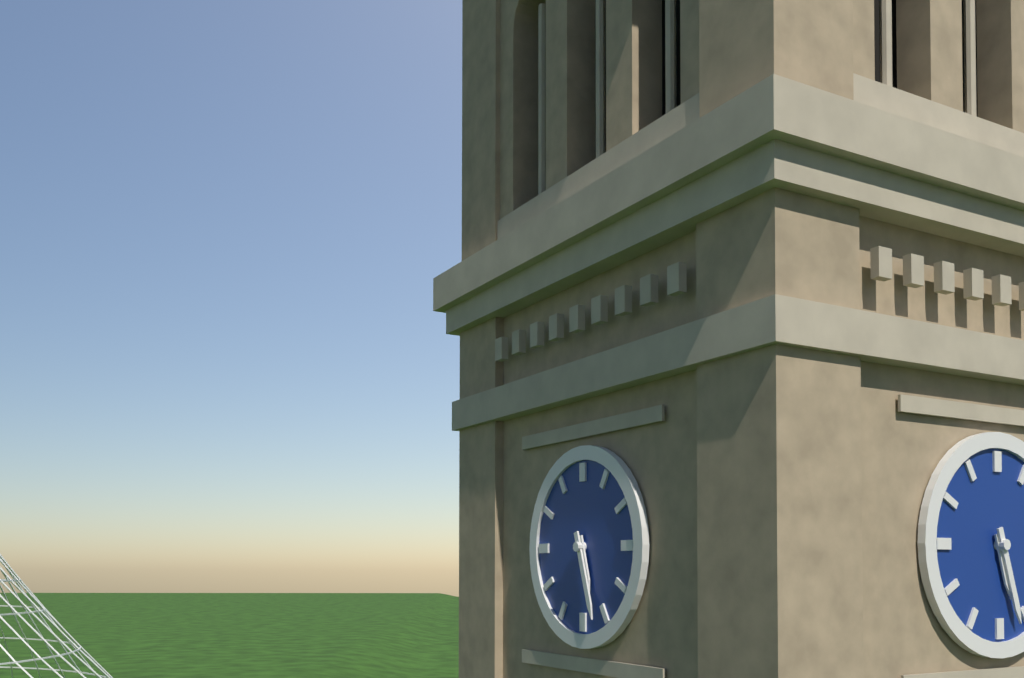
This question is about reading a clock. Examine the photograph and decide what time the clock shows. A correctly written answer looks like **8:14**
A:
**5:27**
